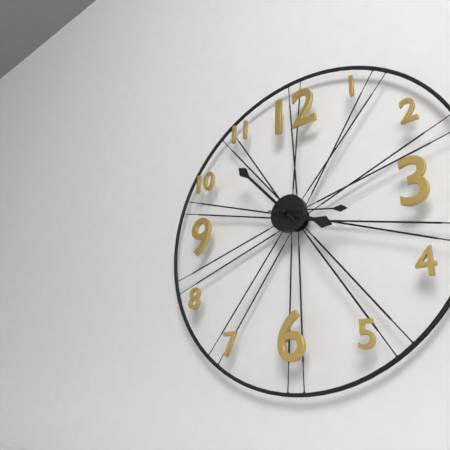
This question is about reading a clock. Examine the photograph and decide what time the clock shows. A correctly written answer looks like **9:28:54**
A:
**3:53:17**
